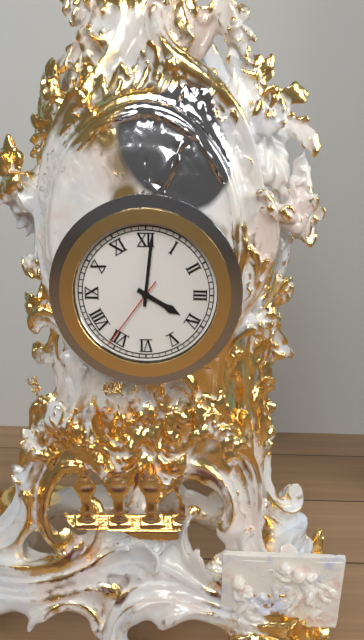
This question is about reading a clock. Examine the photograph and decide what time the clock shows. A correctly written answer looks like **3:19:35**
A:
**4:01:36**
